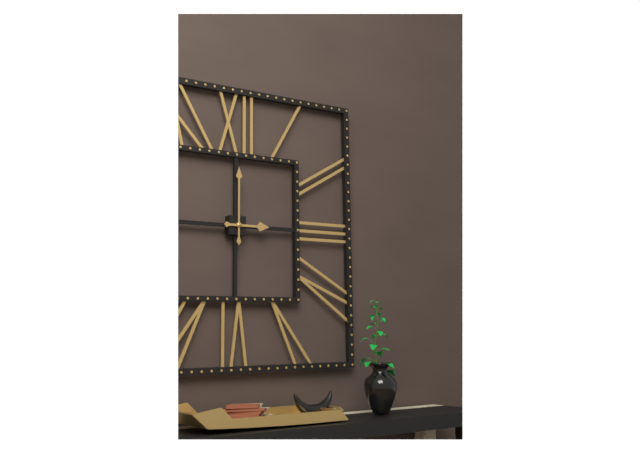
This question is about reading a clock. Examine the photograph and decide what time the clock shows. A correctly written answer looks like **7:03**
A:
**3:00**
